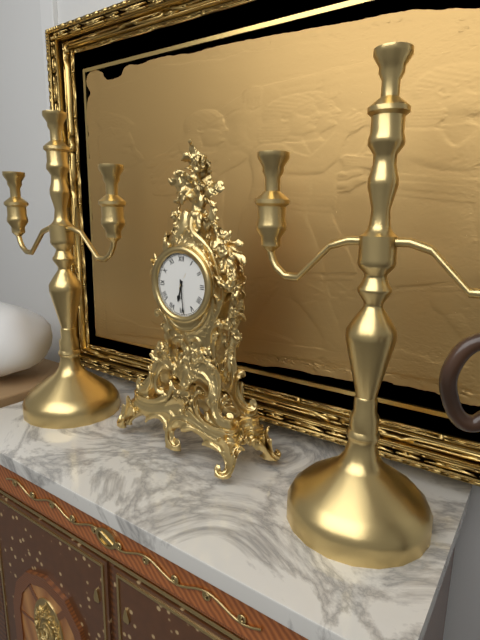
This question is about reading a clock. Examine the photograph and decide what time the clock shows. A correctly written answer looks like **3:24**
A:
**6:29**
